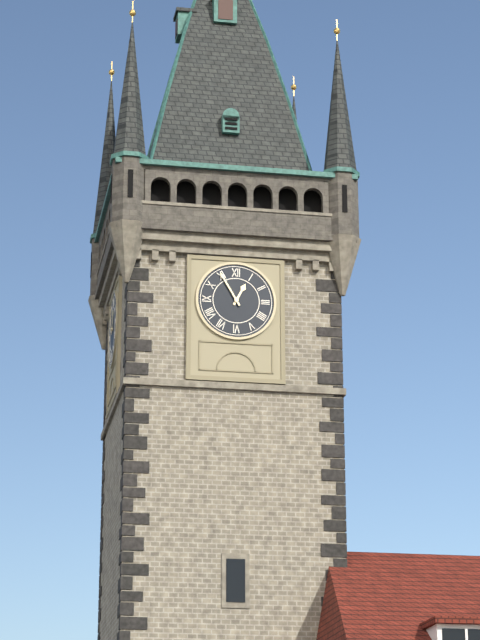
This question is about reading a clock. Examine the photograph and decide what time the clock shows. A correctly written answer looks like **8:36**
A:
**12:55**
